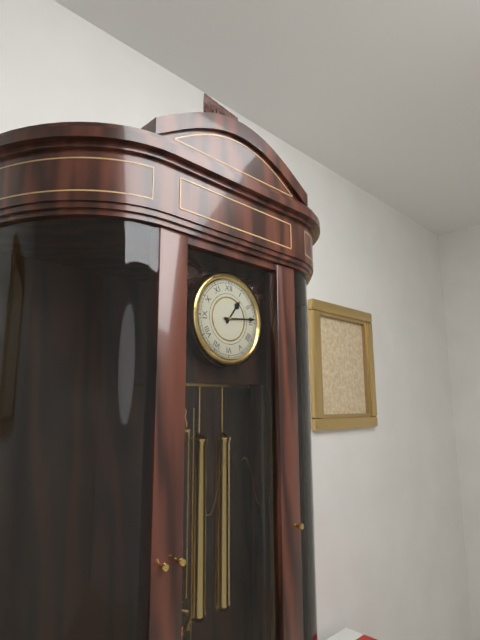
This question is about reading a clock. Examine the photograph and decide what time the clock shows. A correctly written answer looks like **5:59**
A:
**1:14**
